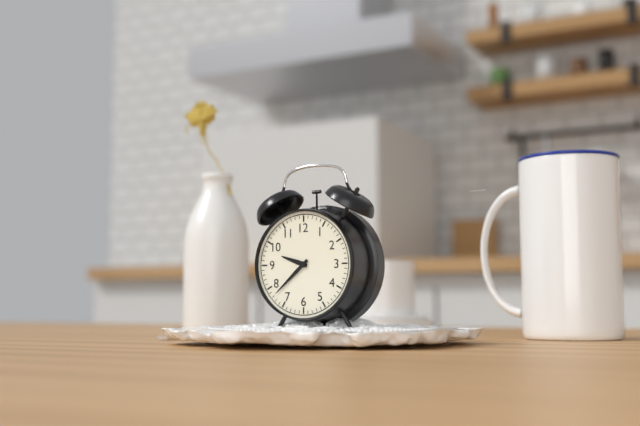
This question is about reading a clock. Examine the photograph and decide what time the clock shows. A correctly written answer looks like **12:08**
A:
**9:38**
